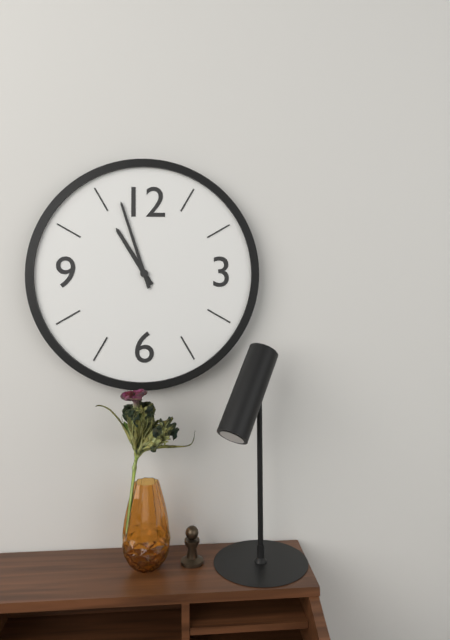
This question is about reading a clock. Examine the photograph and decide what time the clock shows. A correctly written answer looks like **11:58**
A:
**10:57**
